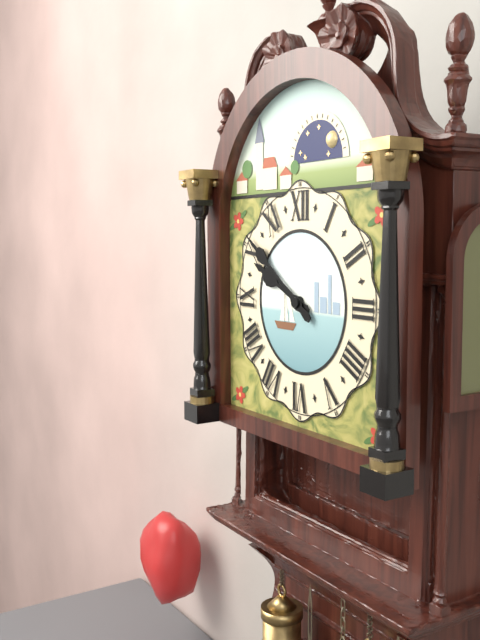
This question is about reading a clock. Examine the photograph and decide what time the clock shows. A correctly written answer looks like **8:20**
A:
**9:51**
